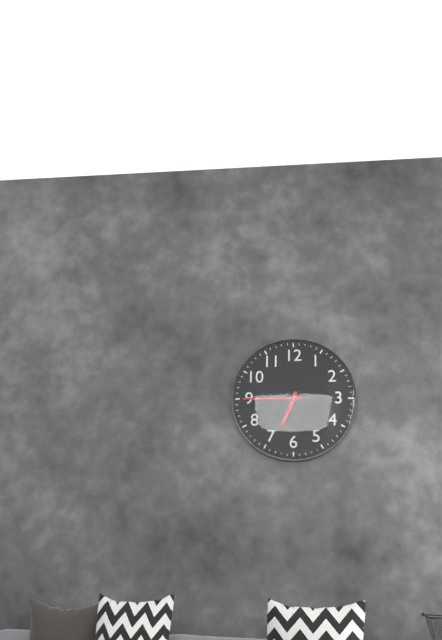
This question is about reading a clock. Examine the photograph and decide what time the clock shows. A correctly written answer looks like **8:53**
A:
**6:45**
